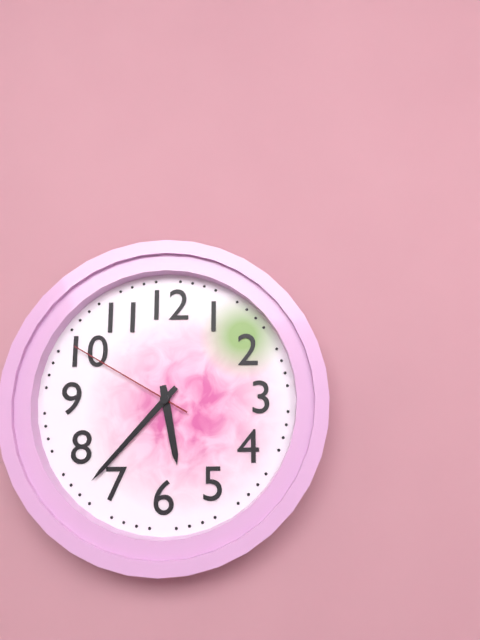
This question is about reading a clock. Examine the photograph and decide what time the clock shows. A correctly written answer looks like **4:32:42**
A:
**5:37:50**
